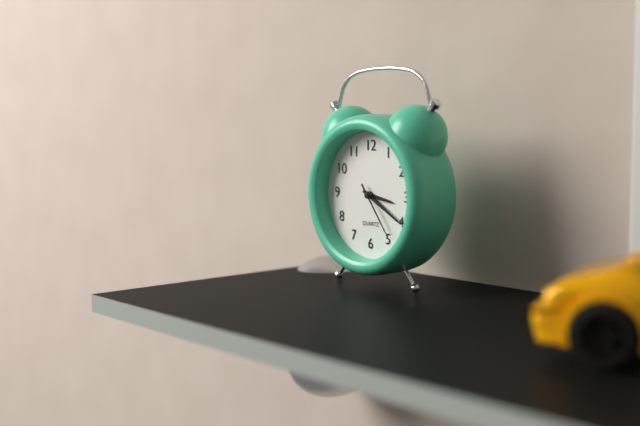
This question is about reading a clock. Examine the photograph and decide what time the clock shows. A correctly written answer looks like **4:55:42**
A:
**3:20:24**
